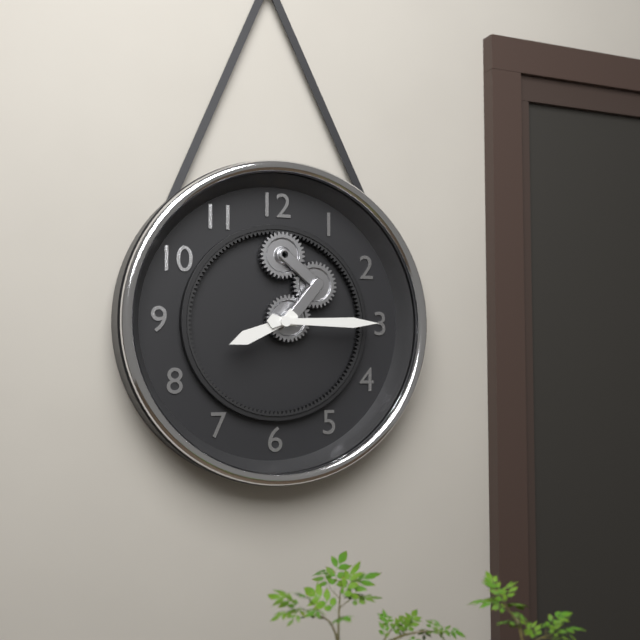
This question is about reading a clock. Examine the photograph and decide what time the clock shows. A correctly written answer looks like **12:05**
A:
**8:15**
